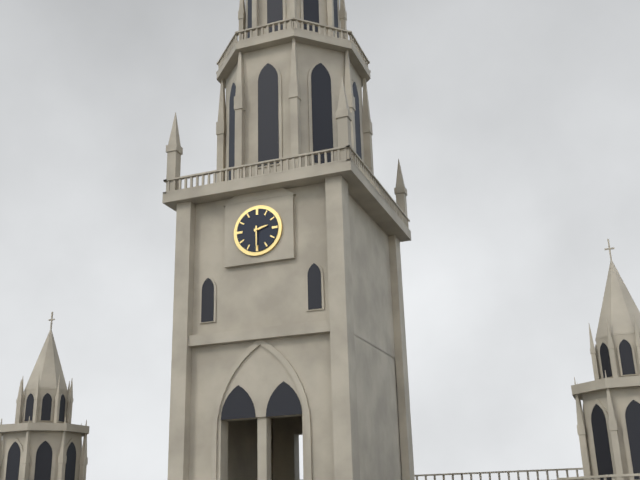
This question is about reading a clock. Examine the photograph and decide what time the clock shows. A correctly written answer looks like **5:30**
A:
**2:30**
